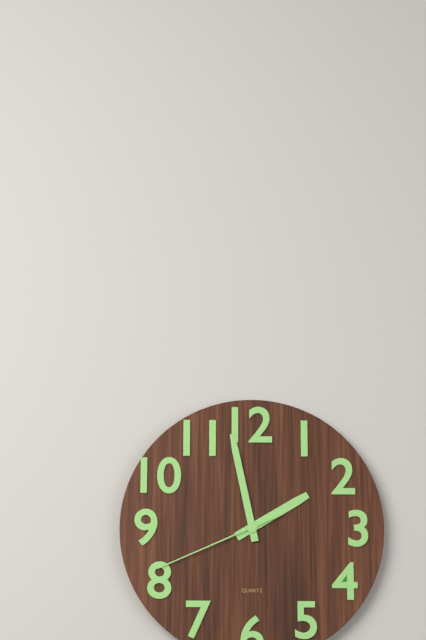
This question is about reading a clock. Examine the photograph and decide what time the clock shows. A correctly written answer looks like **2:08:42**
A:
**1:58:41**
